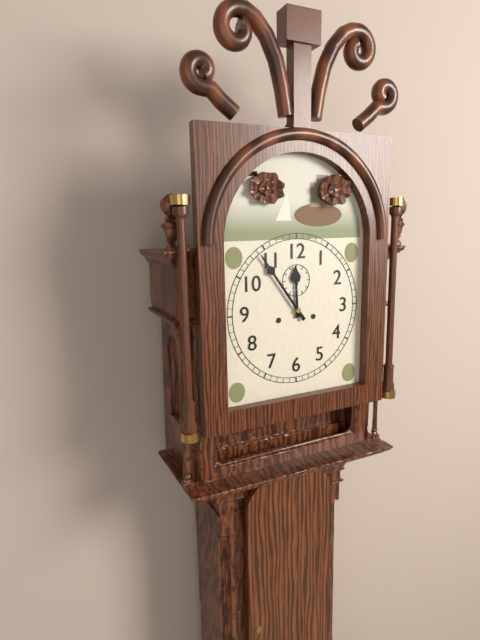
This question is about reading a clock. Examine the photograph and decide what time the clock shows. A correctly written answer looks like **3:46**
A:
**11:54**
